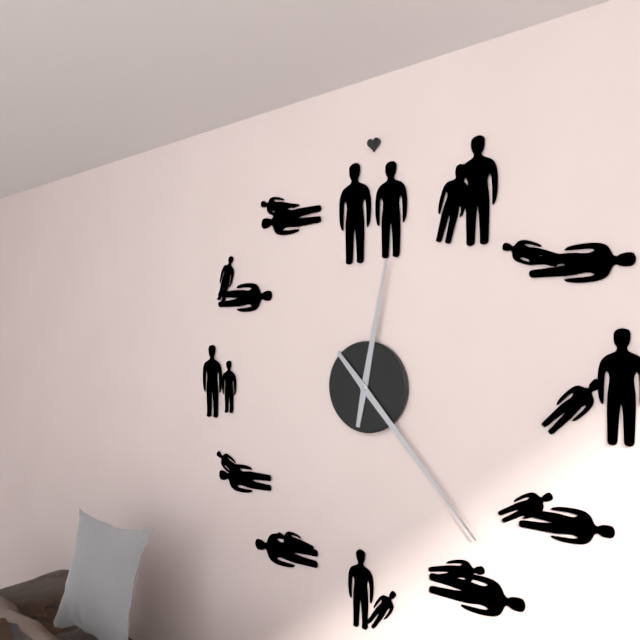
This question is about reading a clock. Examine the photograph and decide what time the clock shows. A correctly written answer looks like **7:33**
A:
**12:23**
